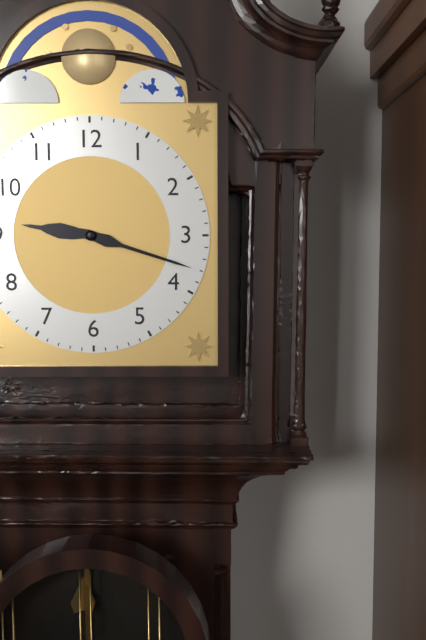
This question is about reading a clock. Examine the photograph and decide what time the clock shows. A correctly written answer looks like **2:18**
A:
**9:18**
